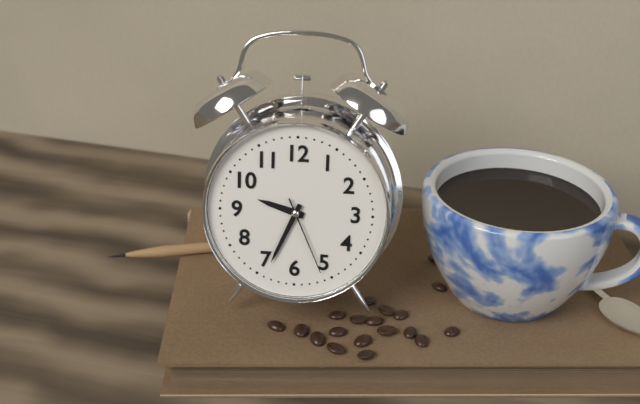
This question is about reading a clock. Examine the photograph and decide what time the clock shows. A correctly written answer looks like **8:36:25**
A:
**9:34:26**
